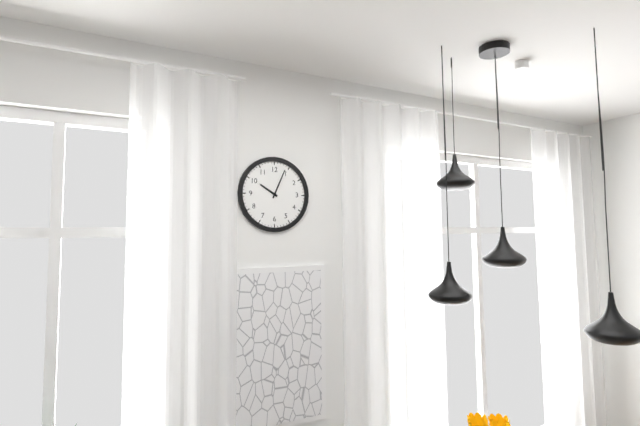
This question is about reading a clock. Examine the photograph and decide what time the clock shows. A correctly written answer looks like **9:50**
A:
**10:04**
